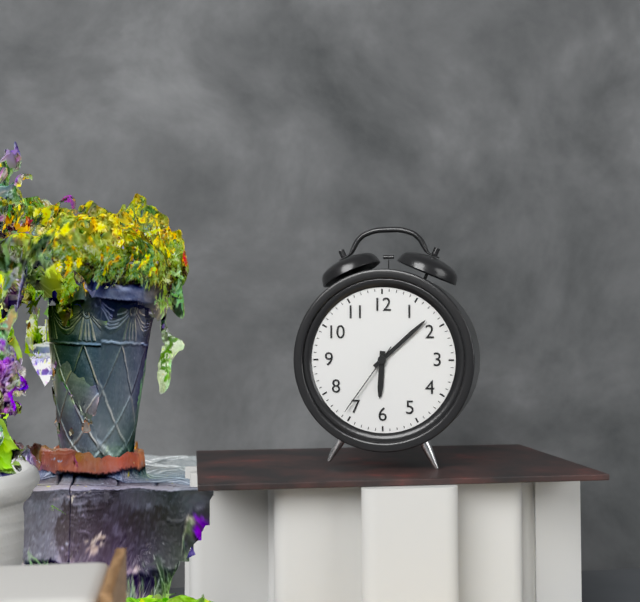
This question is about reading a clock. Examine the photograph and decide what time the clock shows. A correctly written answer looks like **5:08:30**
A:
**6:08:36**
